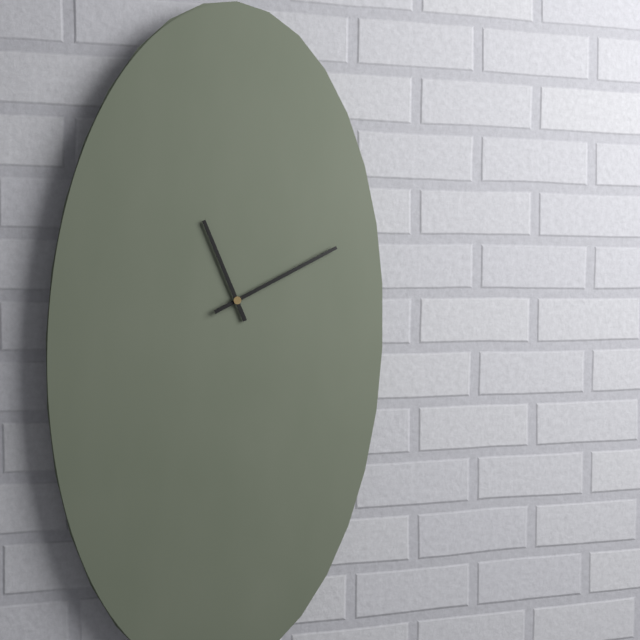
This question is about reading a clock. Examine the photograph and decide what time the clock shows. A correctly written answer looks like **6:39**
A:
**11:10**
